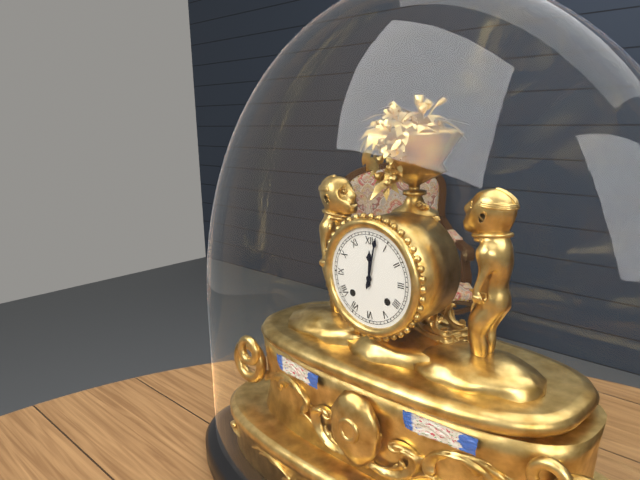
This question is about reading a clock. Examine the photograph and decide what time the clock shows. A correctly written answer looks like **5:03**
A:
**12:02**
